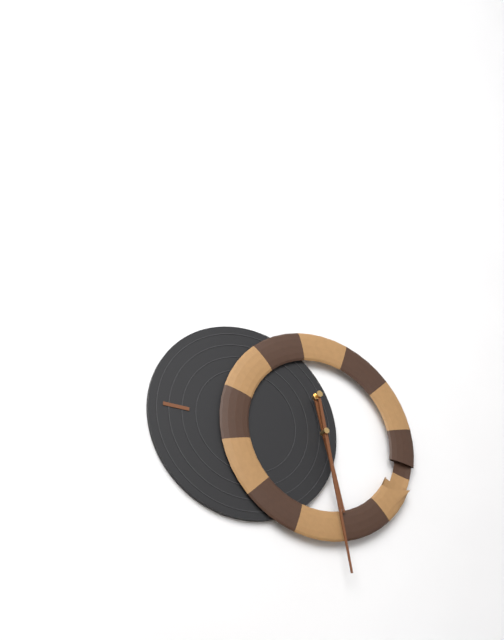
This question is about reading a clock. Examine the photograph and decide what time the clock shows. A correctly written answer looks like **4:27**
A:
**5:28**
